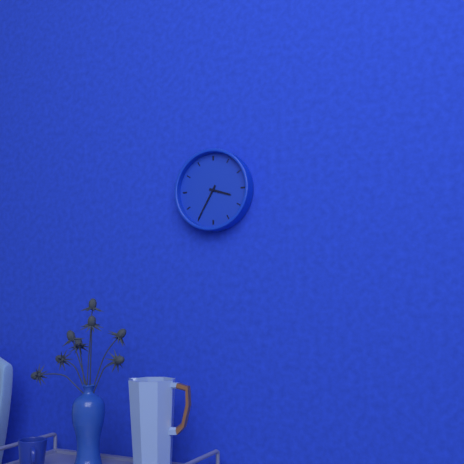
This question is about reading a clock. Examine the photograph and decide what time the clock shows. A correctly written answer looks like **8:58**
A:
**3:35**
